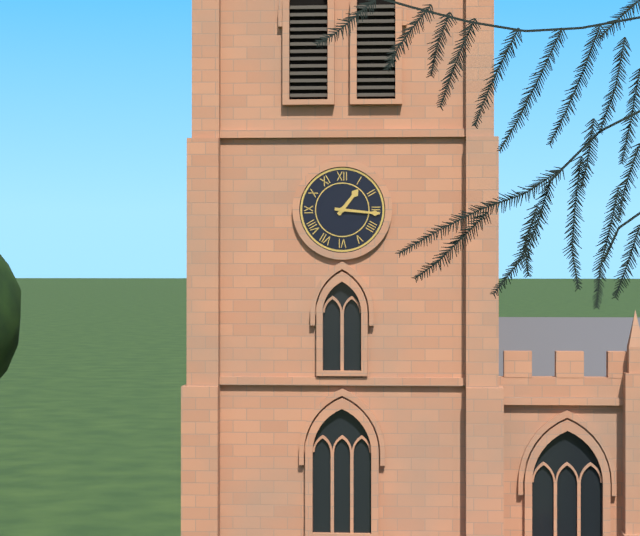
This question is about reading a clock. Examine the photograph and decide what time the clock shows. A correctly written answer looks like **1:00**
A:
**1:16**
